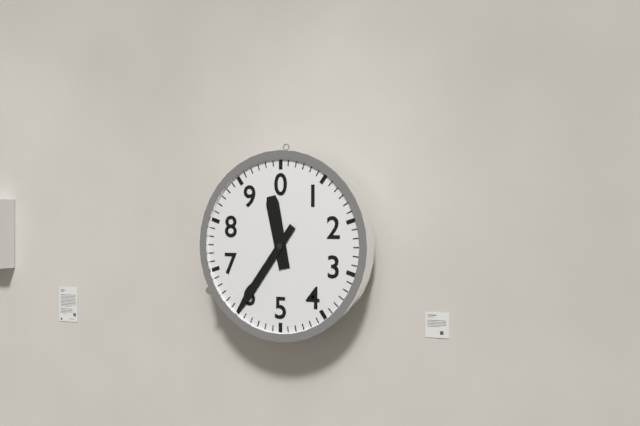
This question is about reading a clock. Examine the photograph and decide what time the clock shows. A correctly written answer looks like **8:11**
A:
**11:36**
